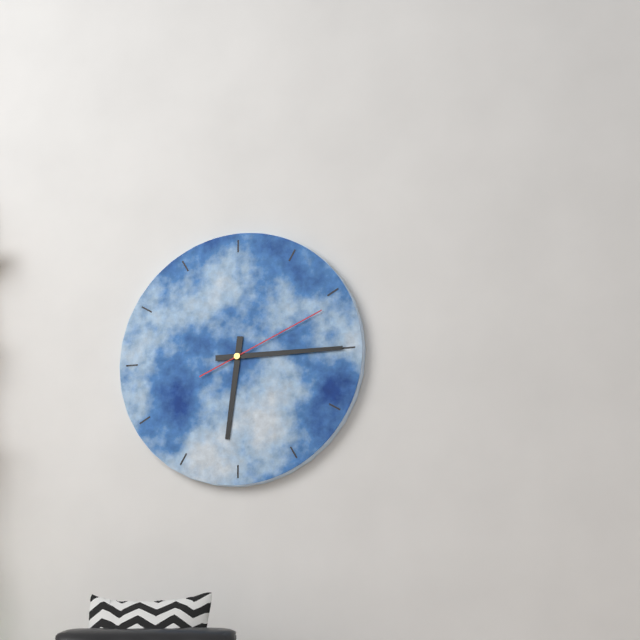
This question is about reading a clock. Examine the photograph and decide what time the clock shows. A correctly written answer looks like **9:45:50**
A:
**6:15:11**
